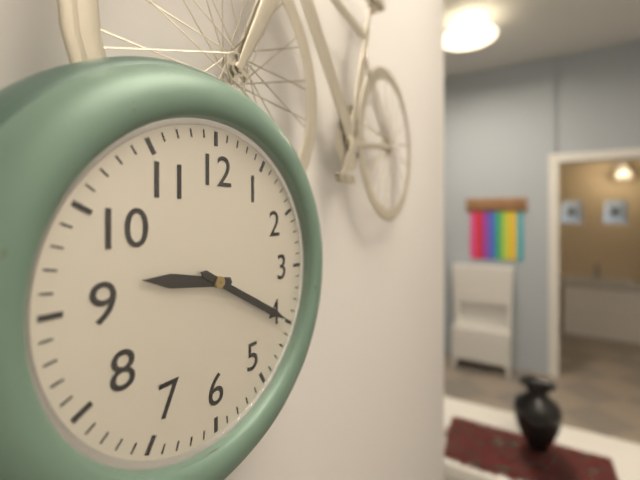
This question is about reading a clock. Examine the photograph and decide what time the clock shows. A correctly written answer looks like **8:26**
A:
**9:20**
